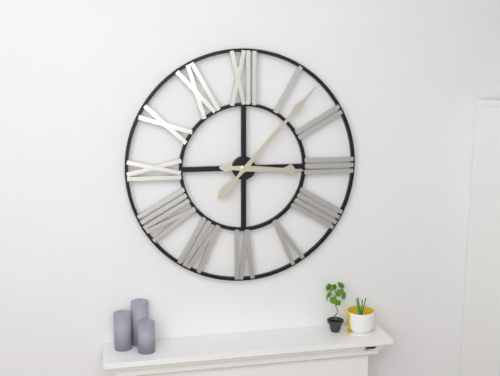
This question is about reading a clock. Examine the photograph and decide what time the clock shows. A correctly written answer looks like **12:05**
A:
**3:07**
